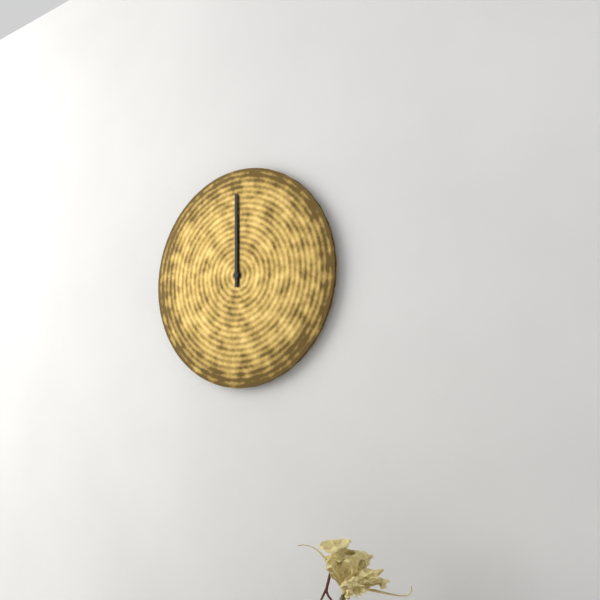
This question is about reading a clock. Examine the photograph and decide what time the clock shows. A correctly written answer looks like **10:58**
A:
**12:00**
